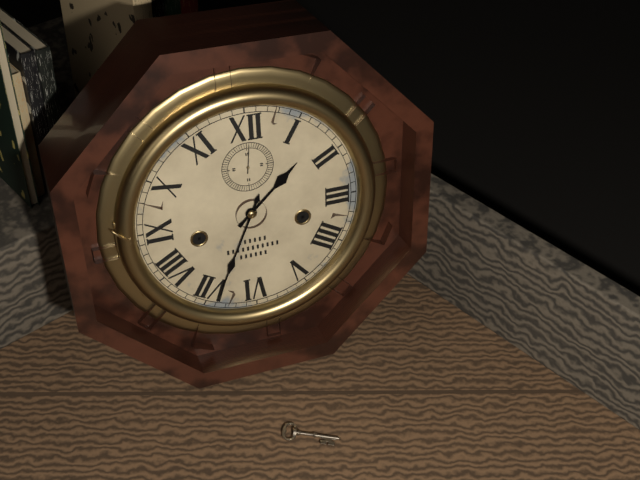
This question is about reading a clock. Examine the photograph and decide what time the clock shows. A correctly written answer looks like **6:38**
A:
**1:34**
